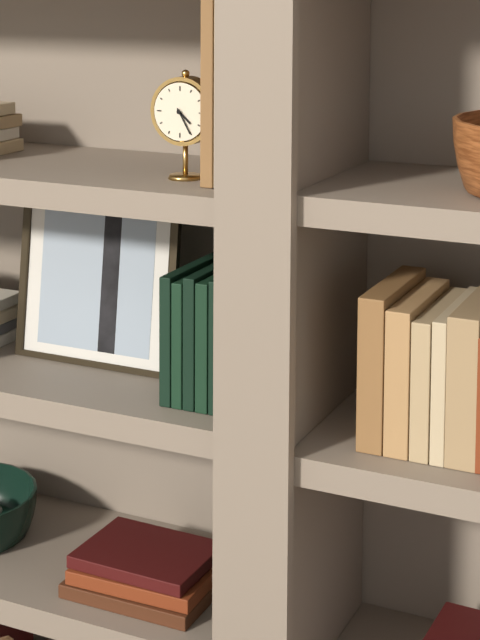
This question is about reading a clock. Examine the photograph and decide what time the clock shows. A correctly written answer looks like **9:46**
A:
**4:25**
